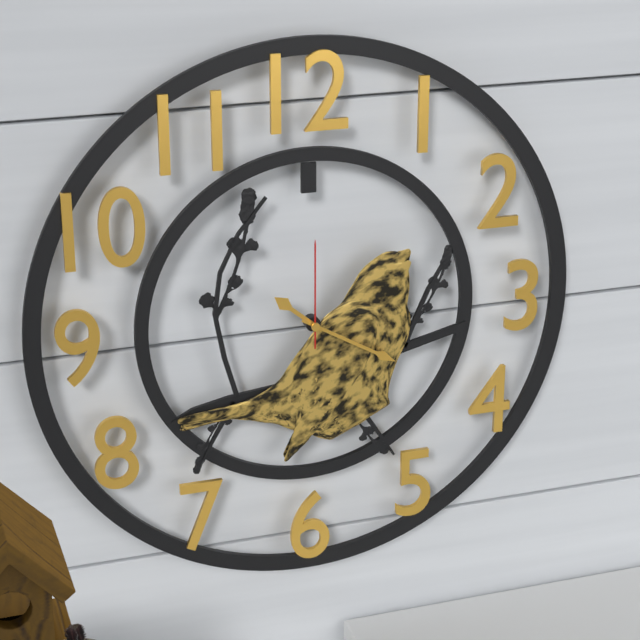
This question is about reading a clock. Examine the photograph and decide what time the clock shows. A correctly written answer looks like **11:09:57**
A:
**10:20:00**
